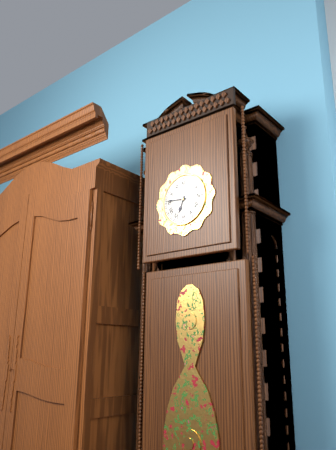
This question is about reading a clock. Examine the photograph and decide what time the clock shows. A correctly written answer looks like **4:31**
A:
**6:46**
